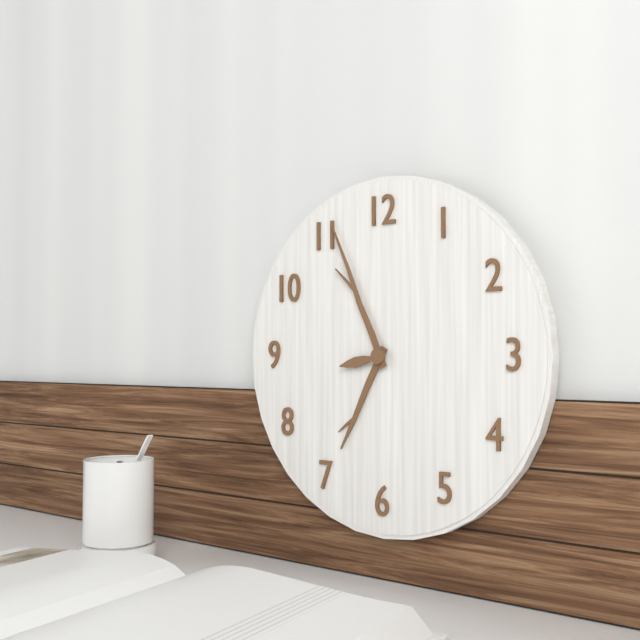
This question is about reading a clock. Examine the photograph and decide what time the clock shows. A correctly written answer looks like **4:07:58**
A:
**6:56:43**
